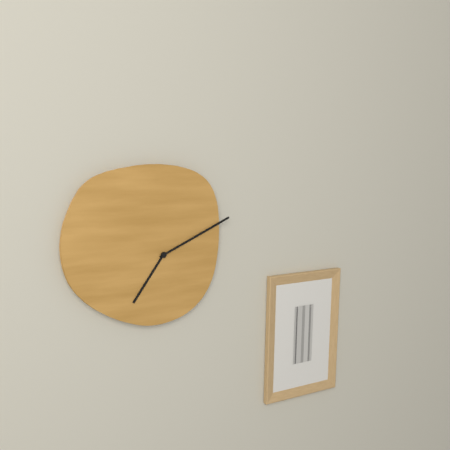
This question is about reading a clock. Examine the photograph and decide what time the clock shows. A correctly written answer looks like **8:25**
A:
**7:11**
